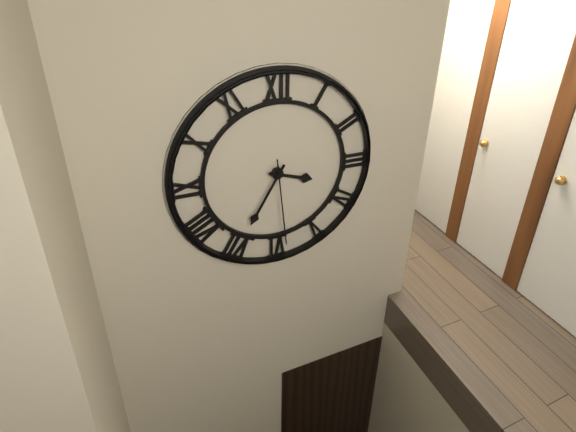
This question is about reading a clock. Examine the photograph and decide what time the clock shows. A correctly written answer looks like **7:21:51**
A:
**3:35:29**
